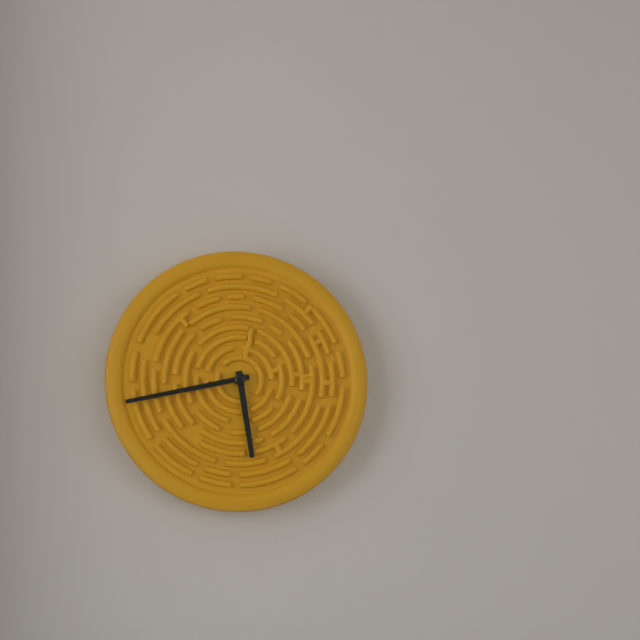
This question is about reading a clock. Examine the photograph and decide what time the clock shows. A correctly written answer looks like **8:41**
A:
**5:43**
